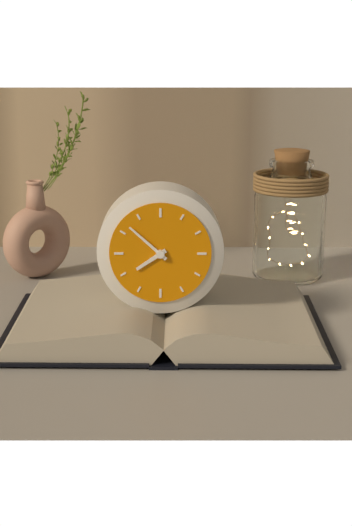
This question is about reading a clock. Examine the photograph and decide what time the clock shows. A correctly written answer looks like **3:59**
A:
**7:52**
